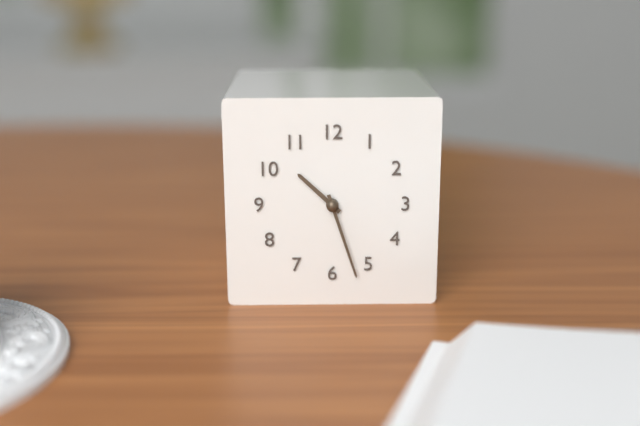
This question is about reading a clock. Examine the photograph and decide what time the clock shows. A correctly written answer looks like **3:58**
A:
**10:27**
